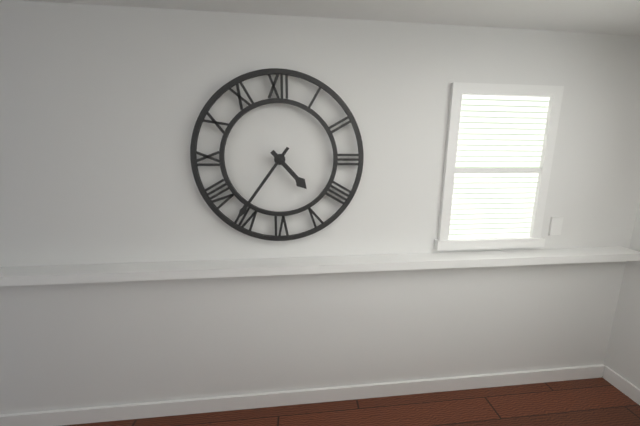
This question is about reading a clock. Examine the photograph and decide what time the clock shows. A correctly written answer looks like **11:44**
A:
**4:36**
